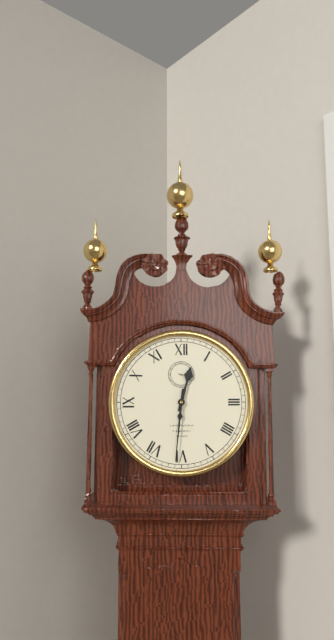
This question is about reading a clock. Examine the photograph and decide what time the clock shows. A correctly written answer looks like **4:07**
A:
**12:31**
